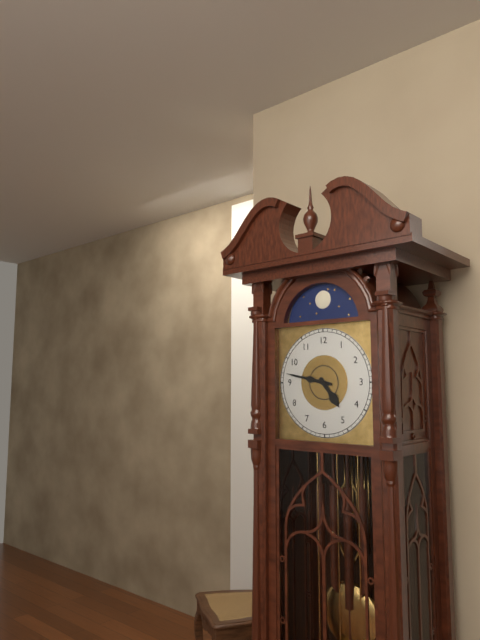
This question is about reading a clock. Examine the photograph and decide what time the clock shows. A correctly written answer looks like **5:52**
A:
**4:47**
